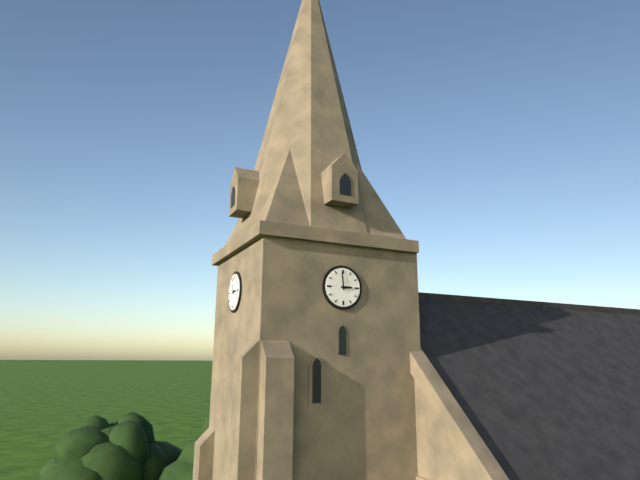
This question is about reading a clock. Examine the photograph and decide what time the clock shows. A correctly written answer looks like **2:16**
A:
**2:59**
